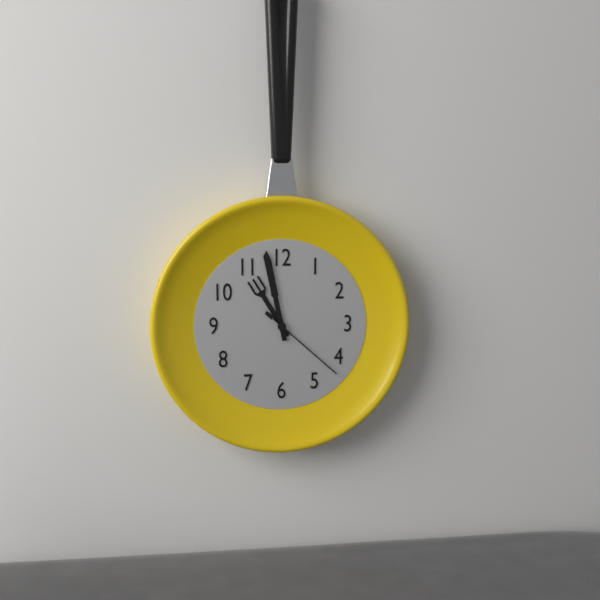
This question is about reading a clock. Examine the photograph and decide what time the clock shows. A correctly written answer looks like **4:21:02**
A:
**10:58:22**
